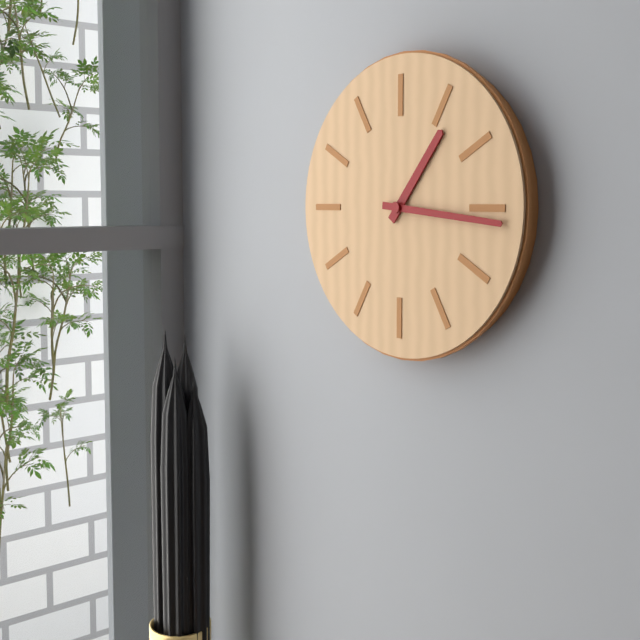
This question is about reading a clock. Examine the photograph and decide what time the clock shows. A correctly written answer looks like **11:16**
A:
**1:16**
